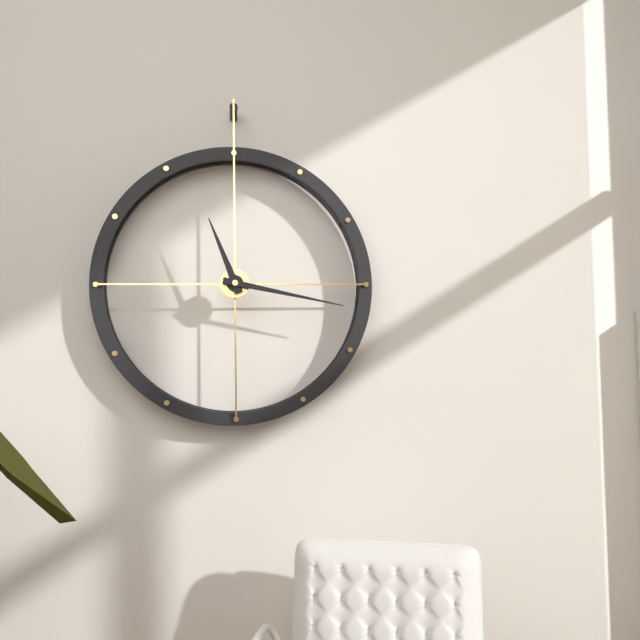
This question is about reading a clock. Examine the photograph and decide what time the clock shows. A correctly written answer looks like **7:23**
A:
**11:17**
